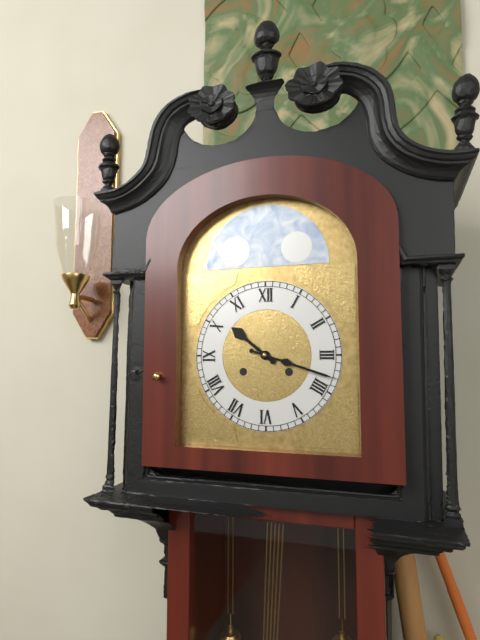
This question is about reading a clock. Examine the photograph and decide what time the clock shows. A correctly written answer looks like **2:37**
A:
**10:18**
